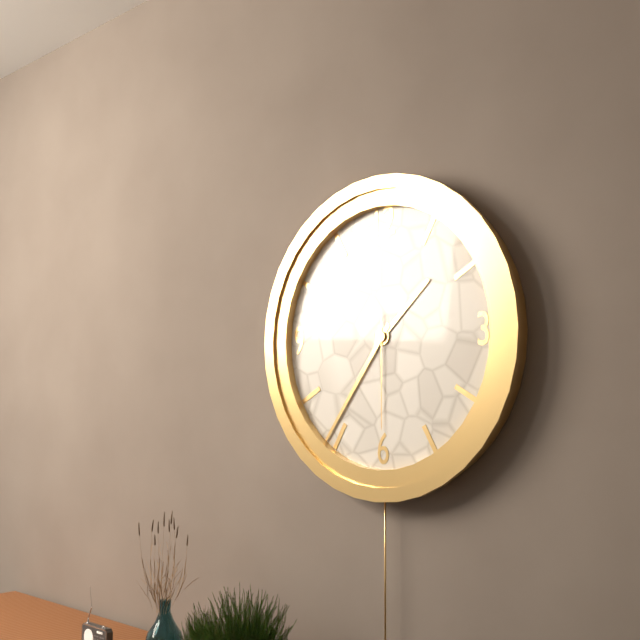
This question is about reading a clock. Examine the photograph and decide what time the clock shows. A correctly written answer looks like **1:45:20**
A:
**1:36:30**
